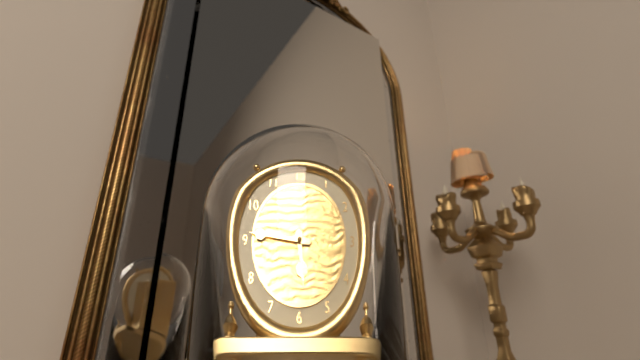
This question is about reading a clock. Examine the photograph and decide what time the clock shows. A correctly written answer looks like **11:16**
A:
**5:46**
